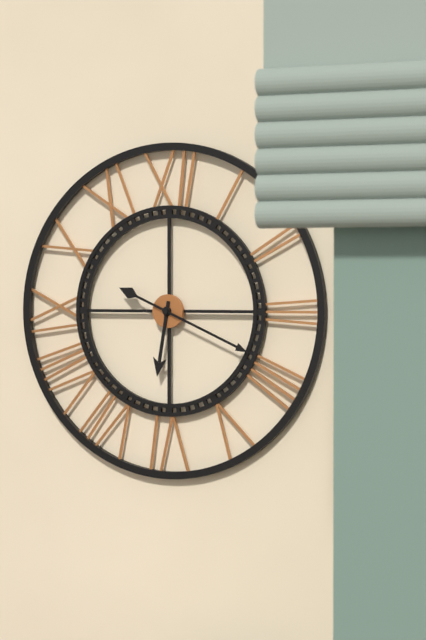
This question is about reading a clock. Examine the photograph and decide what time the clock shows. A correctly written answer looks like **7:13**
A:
**6:19**
